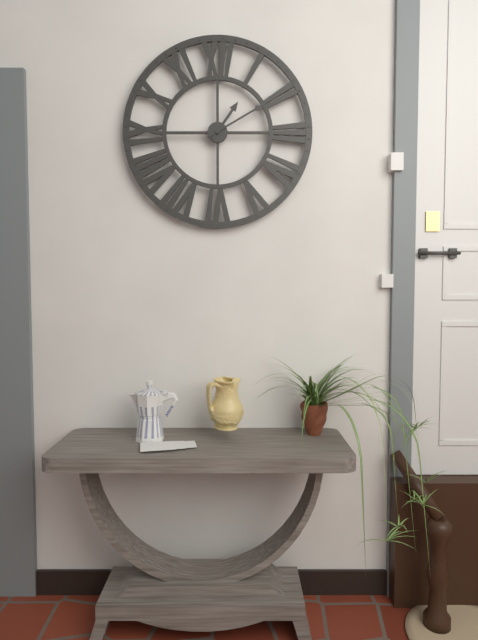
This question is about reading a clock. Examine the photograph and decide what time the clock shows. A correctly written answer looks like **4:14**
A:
**1:10**
